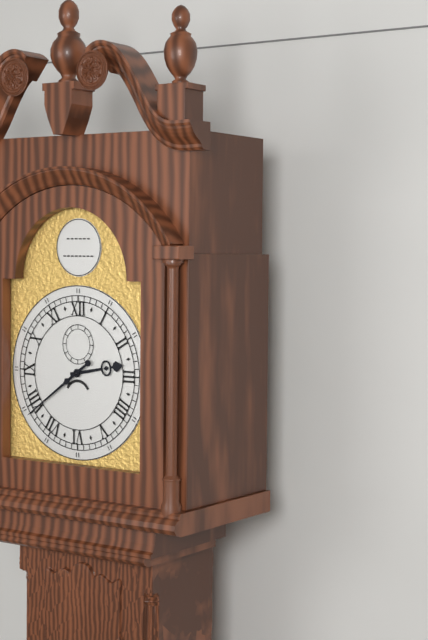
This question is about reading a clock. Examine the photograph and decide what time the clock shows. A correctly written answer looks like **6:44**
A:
**2:39**
